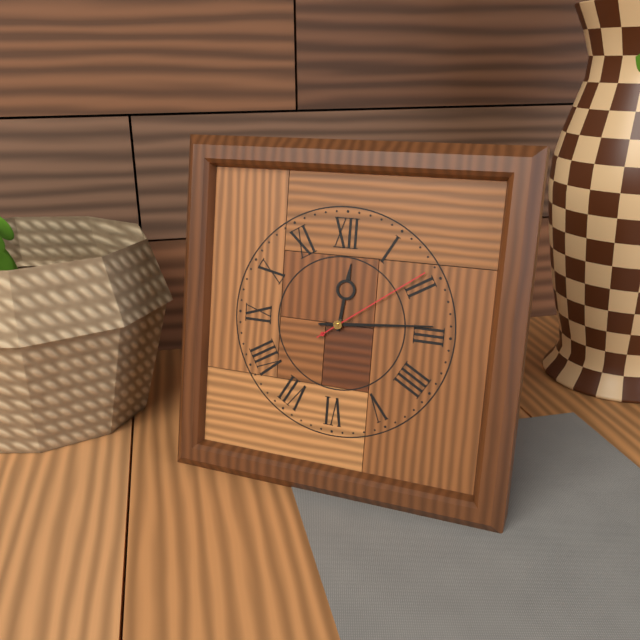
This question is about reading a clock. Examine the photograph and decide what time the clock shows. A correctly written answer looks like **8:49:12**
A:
**12:14:09**
